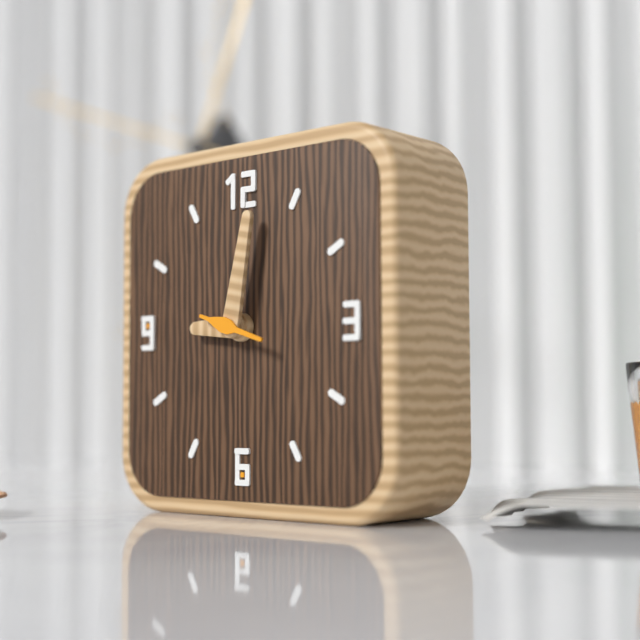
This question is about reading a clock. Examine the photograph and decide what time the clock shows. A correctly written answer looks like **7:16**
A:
**9:02**
